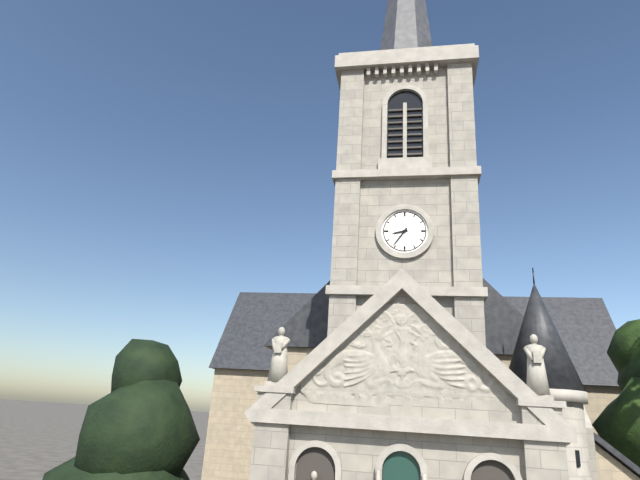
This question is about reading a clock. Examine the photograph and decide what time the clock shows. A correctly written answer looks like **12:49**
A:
**8:36**
